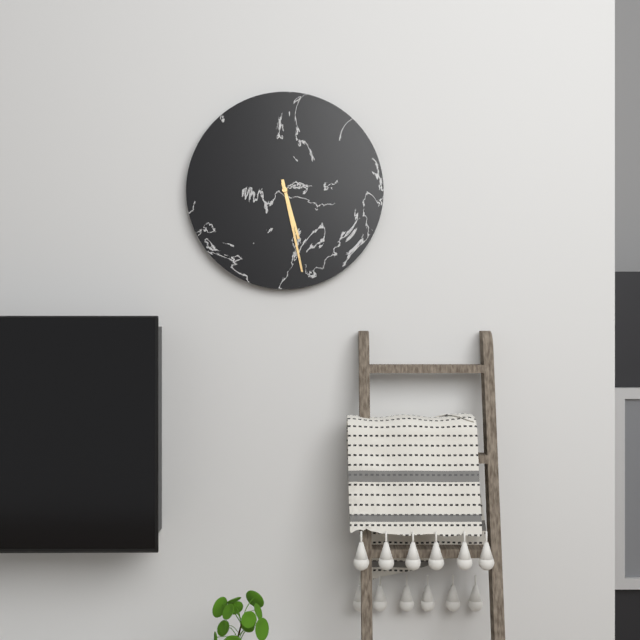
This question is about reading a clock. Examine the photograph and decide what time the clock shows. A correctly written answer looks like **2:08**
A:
**5:28**
